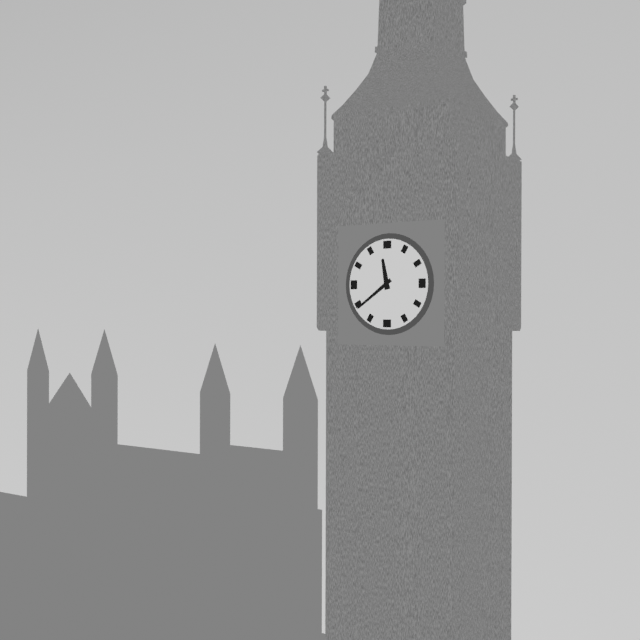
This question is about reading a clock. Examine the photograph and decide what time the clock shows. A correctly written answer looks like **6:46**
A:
**11:39**
